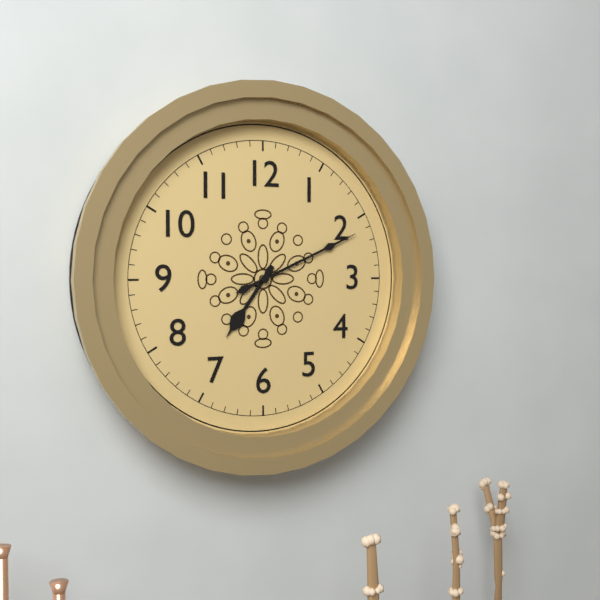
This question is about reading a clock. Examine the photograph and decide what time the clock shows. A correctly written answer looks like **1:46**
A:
**7:11**
